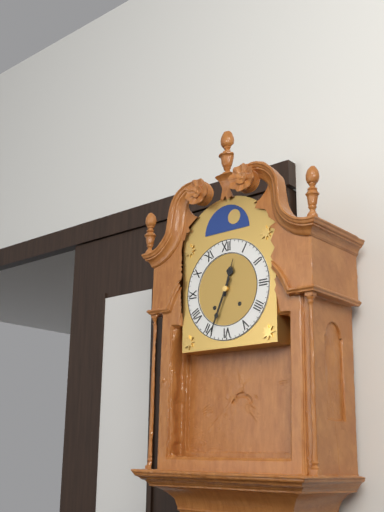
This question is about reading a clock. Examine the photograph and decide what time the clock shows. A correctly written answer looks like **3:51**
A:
**12:34**
